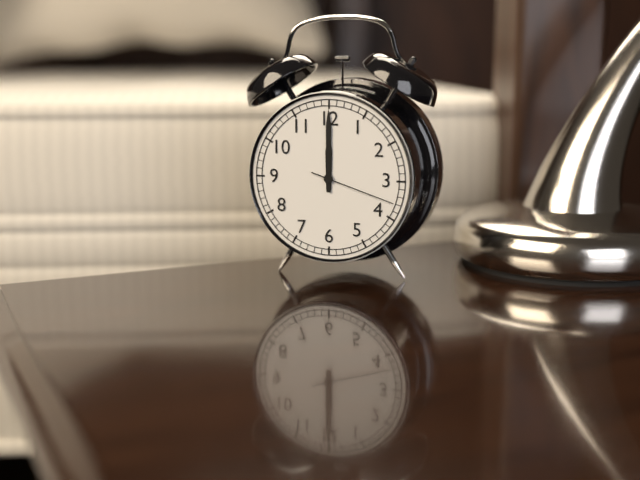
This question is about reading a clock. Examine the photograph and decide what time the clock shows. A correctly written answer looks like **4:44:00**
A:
**12:00:18**
